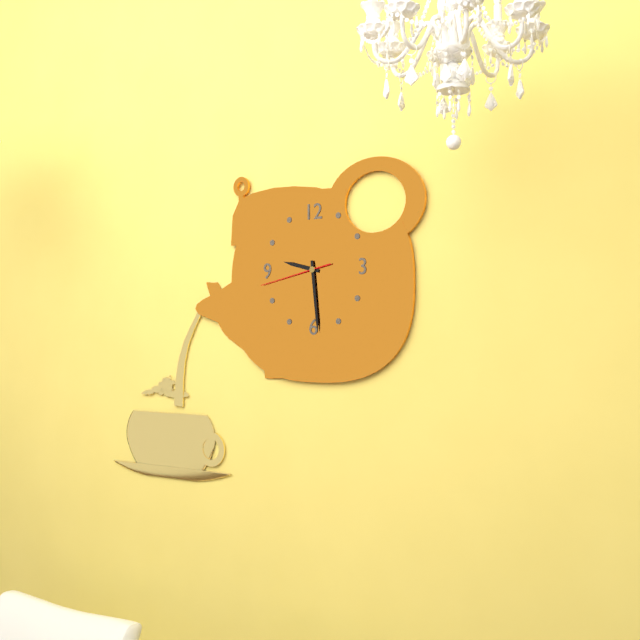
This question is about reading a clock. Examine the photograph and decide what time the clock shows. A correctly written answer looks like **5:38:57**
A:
**9:29:43**
